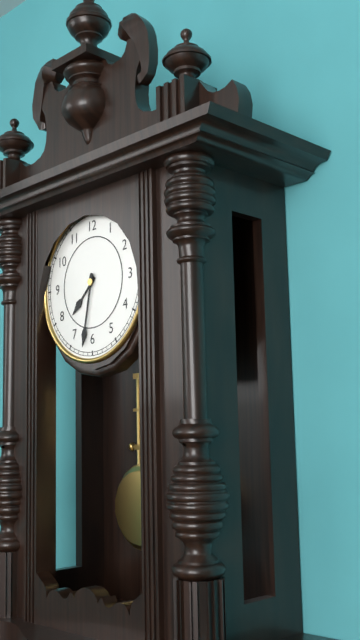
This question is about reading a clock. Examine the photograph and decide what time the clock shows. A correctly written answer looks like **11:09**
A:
**7:32**
